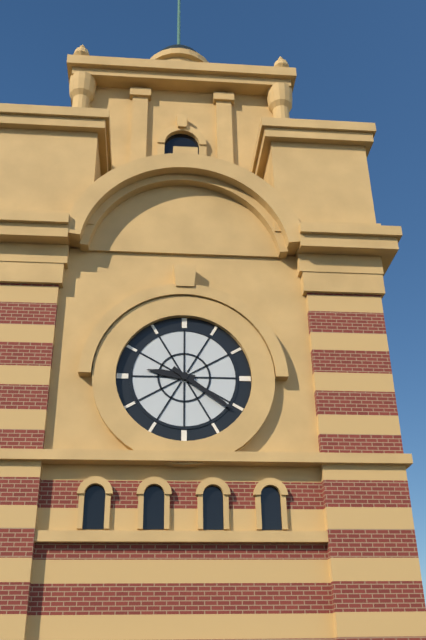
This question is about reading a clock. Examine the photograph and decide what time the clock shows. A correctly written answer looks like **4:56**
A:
**9:21**
